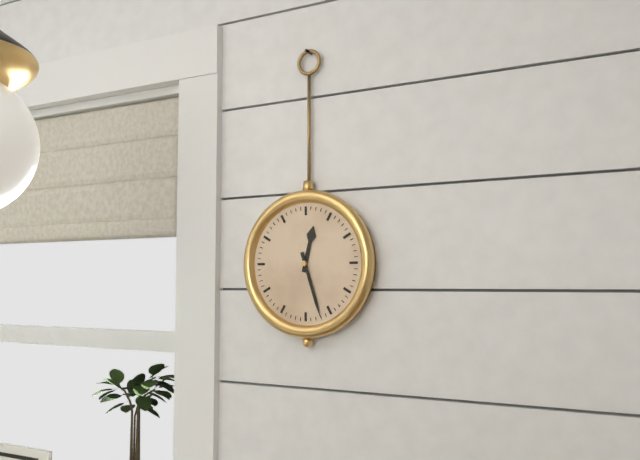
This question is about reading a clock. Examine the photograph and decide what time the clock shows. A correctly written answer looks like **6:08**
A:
**12:27**
